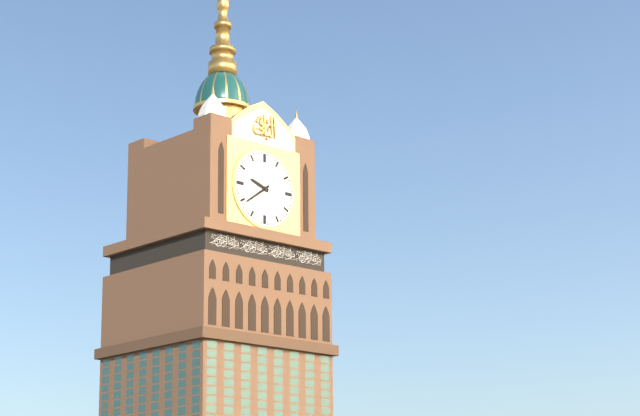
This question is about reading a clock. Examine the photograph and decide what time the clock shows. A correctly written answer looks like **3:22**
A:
**9:39**
